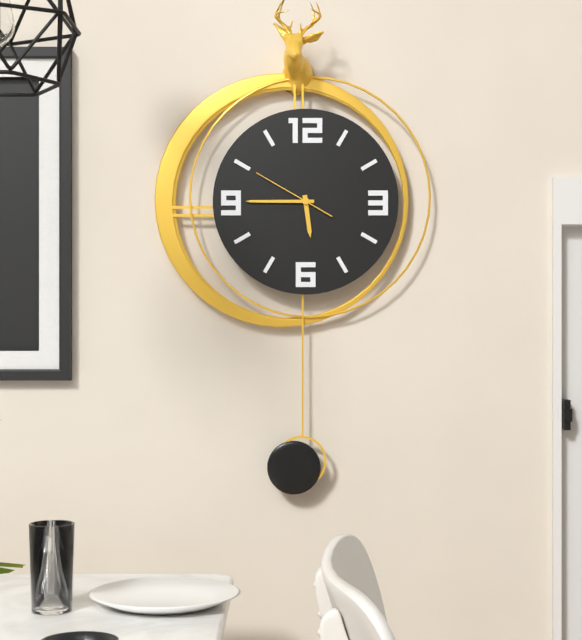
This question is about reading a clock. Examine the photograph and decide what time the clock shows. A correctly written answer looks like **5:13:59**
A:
**5:45:50**
